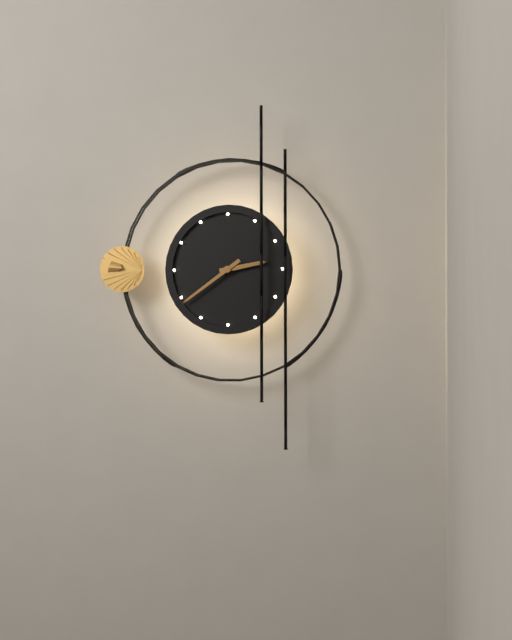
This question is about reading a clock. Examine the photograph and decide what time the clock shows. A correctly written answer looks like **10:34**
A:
**2:39**
